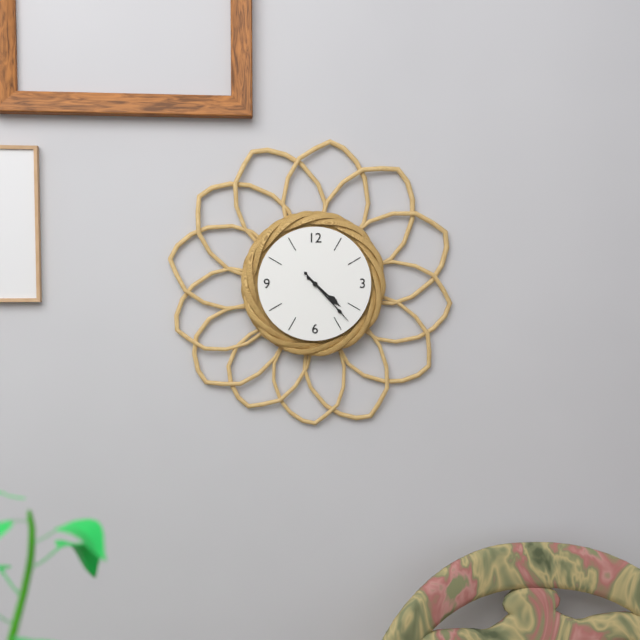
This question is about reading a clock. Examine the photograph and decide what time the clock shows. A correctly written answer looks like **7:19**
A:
**4:23**
